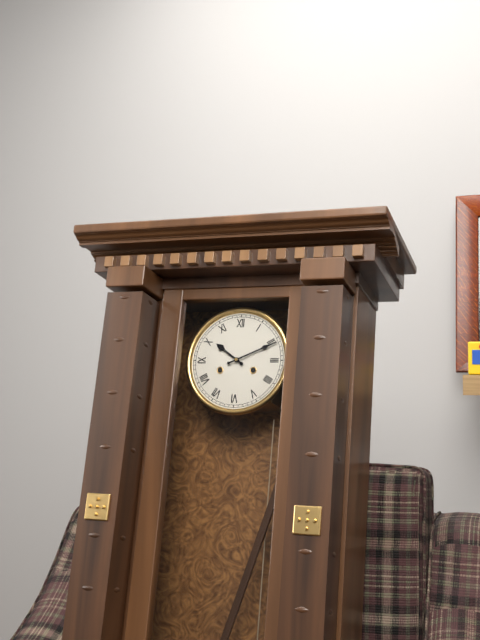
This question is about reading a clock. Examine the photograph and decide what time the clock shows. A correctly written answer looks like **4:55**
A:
**10:11**
